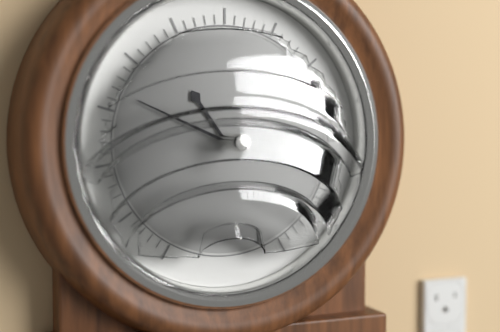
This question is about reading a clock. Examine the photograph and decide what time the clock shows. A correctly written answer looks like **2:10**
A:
**10:49**
